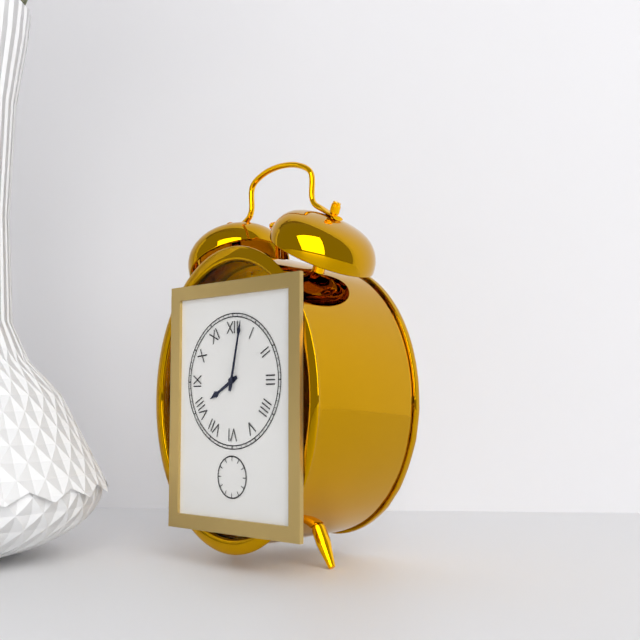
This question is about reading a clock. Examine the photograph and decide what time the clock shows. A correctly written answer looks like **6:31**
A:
**8:02**
